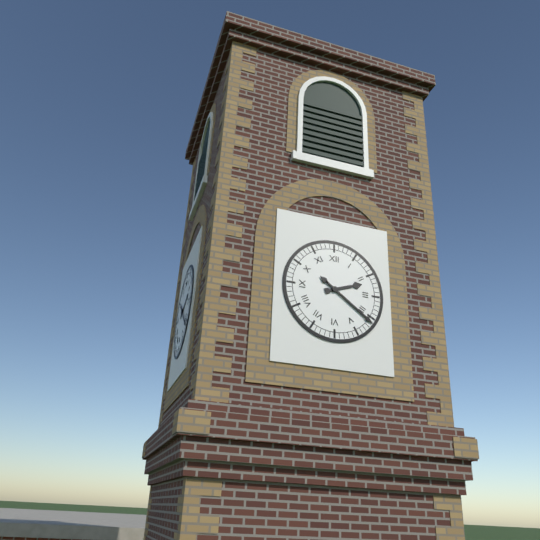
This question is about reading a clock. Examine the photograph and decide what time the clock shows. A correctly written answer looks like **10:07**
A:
**2:21**
